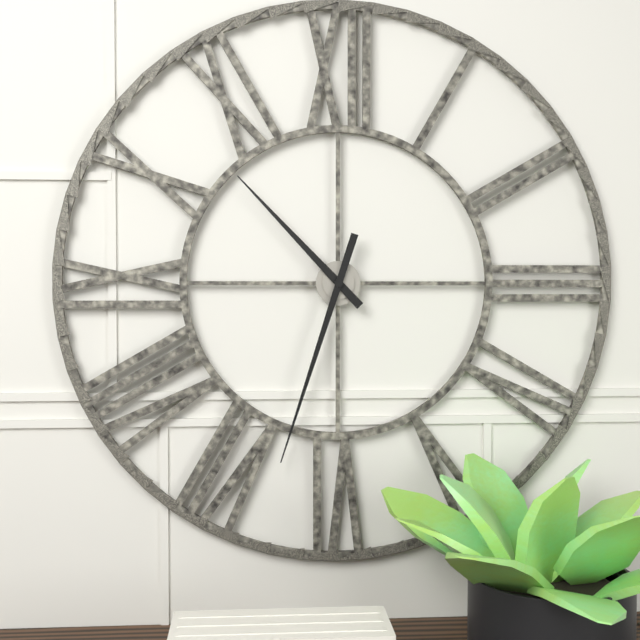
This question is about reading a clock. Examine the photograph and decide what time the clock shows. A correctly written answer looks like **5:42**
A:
**10:33**
